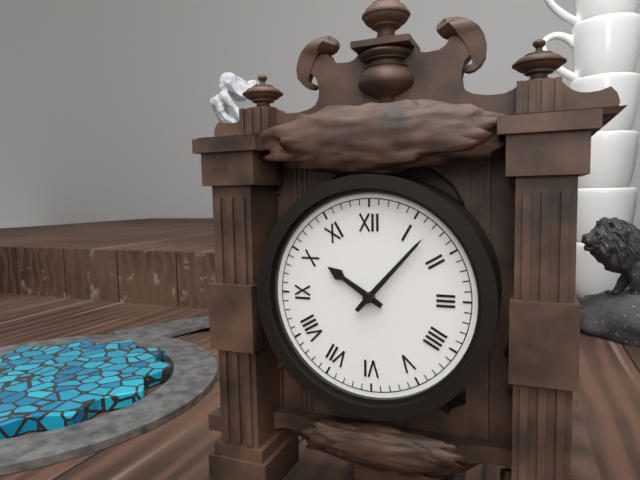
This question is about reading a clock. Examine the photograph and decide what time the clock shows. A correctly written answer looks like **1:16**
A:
**10:07**
